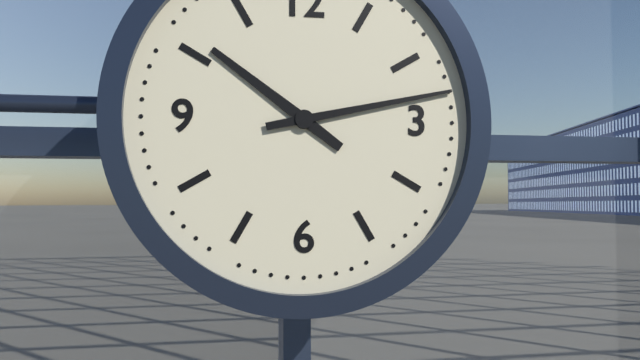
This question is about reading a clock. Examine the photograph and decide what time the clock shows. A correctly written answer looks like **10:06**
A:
**10:13**
